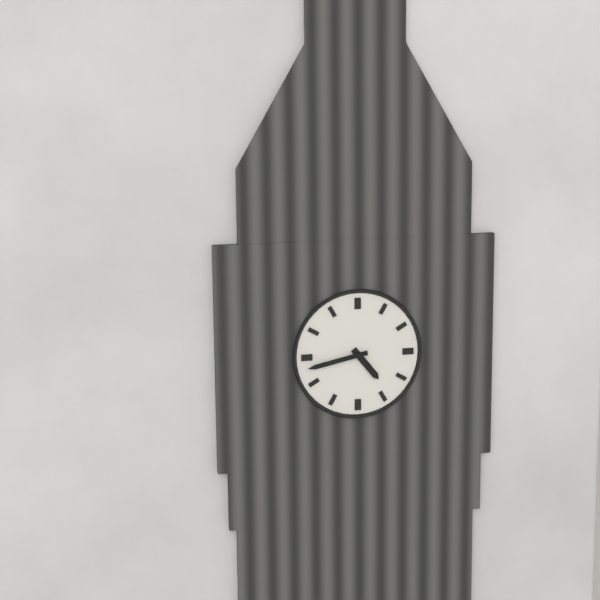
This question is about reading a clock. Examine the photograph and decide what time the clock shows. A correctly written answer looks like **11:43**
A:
**4:43**
